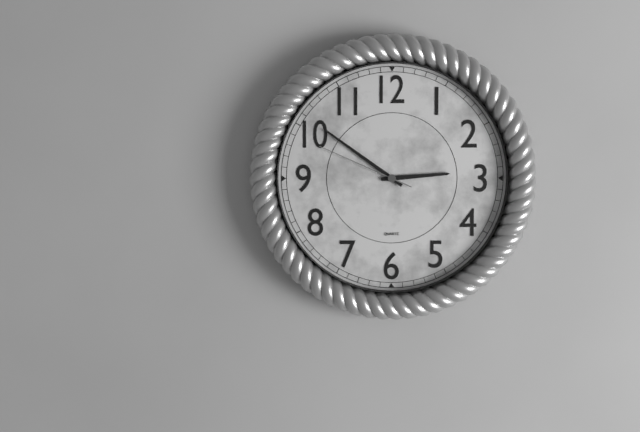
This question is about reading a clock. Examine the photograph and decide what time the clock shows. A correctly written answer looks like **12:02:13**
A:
**2:51:49**
